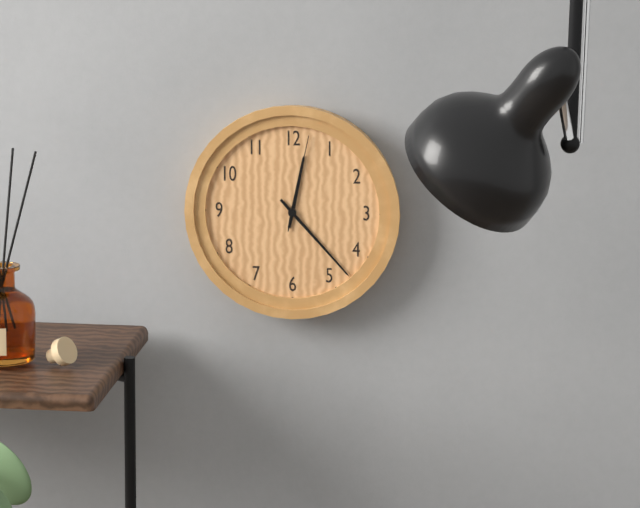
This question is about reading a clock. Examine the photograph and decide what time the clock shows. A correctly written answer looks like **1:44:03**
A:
**12:23:02**
